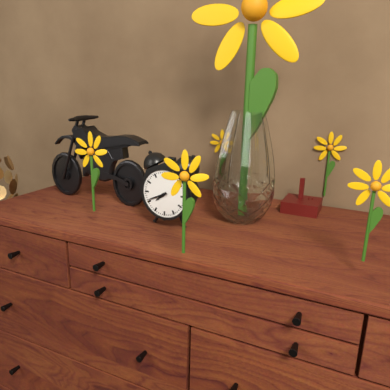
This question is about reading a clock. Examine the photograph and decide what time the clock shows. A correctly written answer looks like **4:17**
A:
**7:41**
